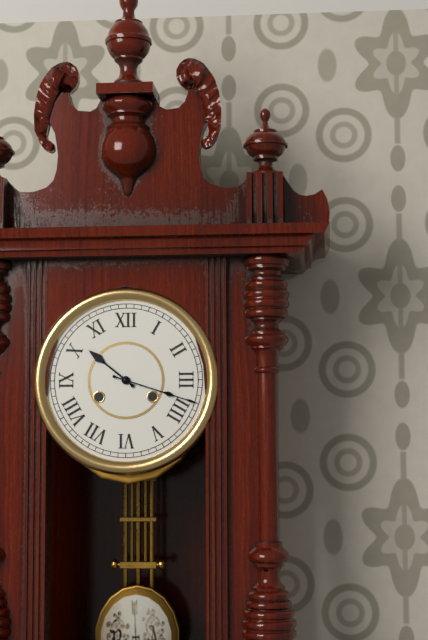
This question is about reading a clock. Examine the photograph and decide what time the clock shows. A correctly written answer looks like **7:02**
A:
**10:18**
